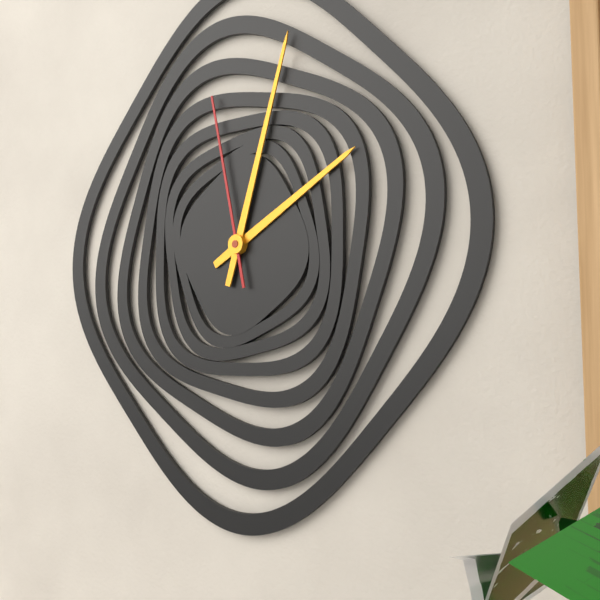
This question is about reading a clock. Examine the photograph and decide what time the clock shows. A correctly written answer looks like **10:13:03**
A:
**2:03:58**
